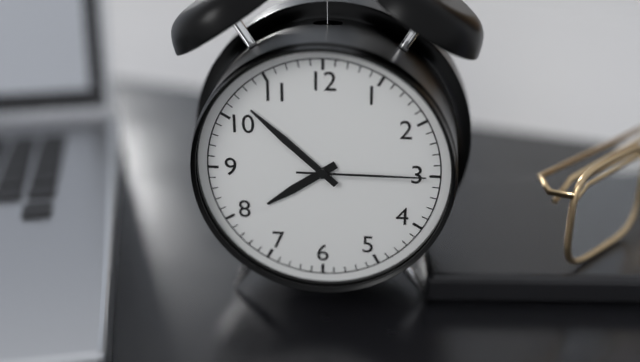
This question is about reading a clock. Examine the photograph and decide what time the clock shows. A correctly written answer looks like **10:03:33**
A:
**7:52:15**
